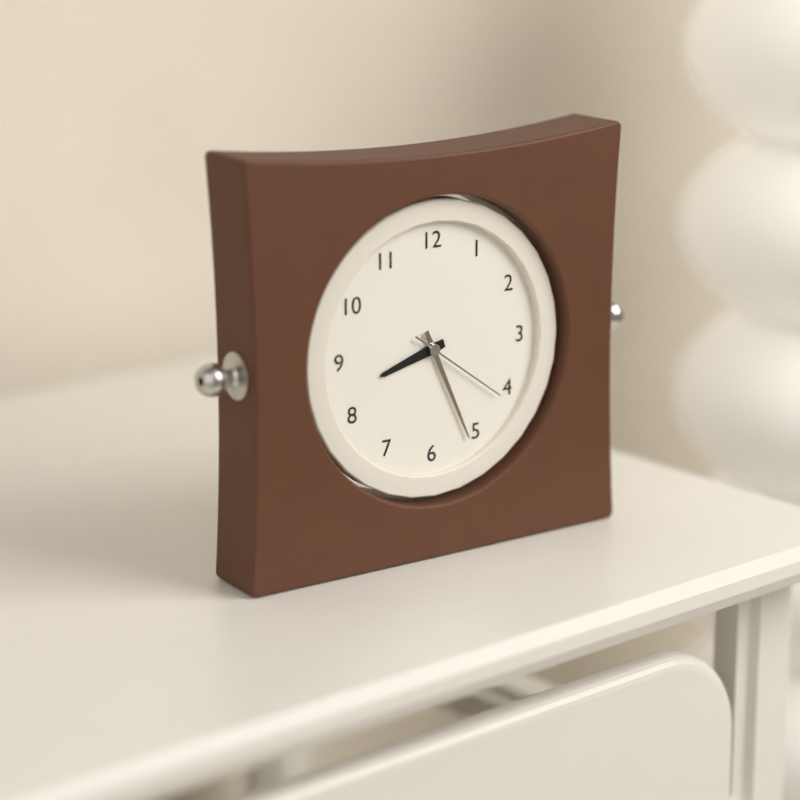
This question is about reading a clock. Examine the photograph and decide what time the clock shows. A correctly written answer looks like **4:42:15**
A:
**8:26:21**
